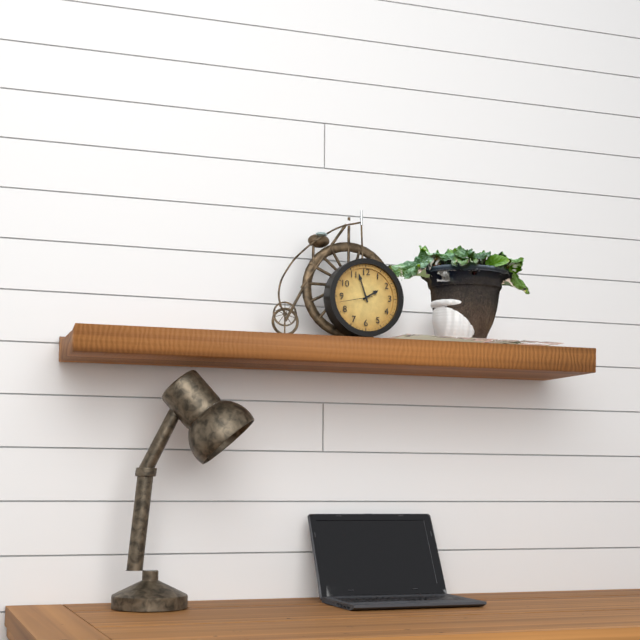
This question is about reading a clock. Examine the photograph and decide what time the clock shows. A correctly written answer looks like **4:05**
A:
**1:57**
